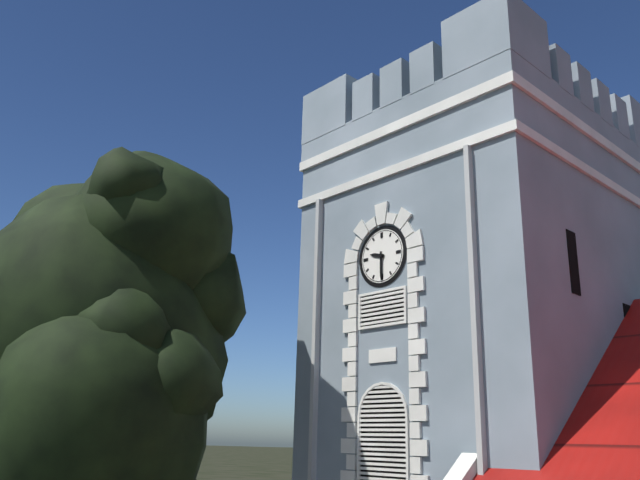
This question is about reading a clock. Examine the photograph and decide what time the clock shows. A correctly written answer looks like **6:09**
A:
**9:30**
